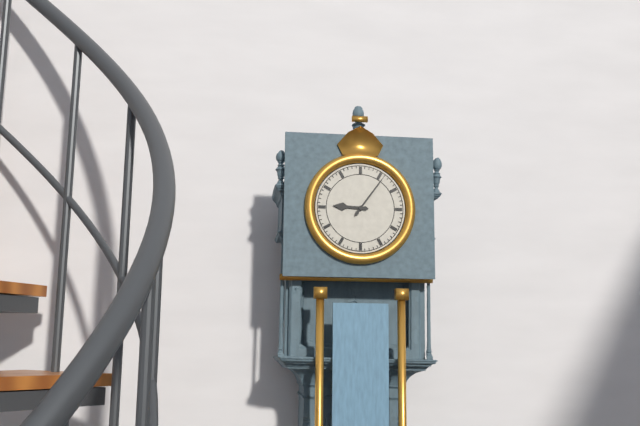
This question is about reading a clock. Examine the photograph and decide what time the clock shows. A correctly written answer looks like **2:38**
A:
**9:06**
